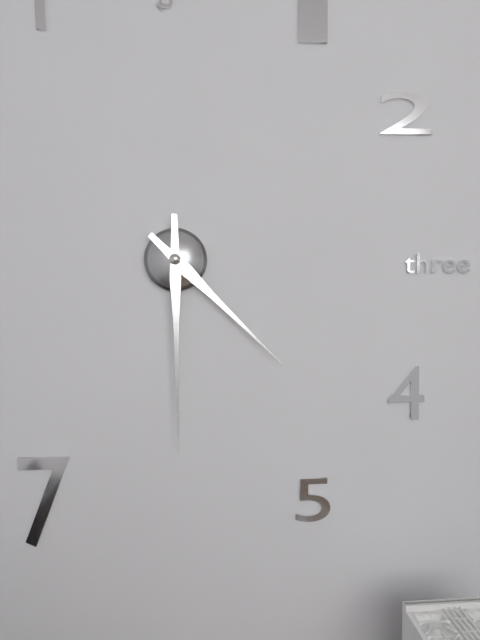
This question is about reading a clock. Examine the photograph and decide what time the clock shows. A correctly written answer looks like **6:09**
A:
**4:30**
